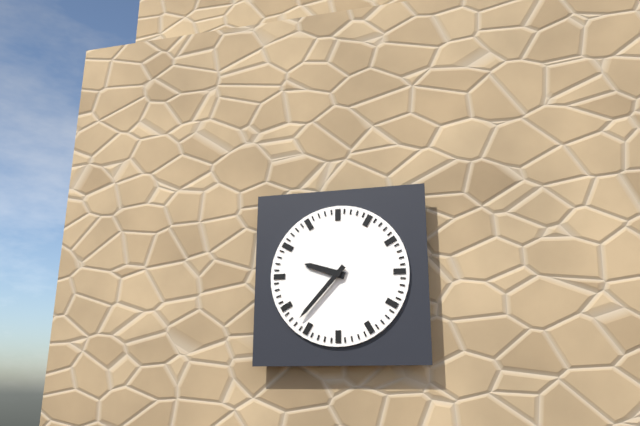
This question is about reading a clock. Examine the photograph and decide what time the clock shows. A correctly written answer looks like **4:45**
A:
**9:37**
